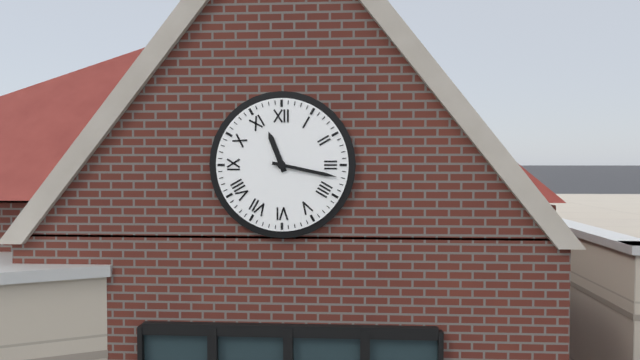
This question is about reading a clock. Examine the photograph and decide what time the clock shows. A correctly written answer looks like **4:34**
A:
**11:17**
